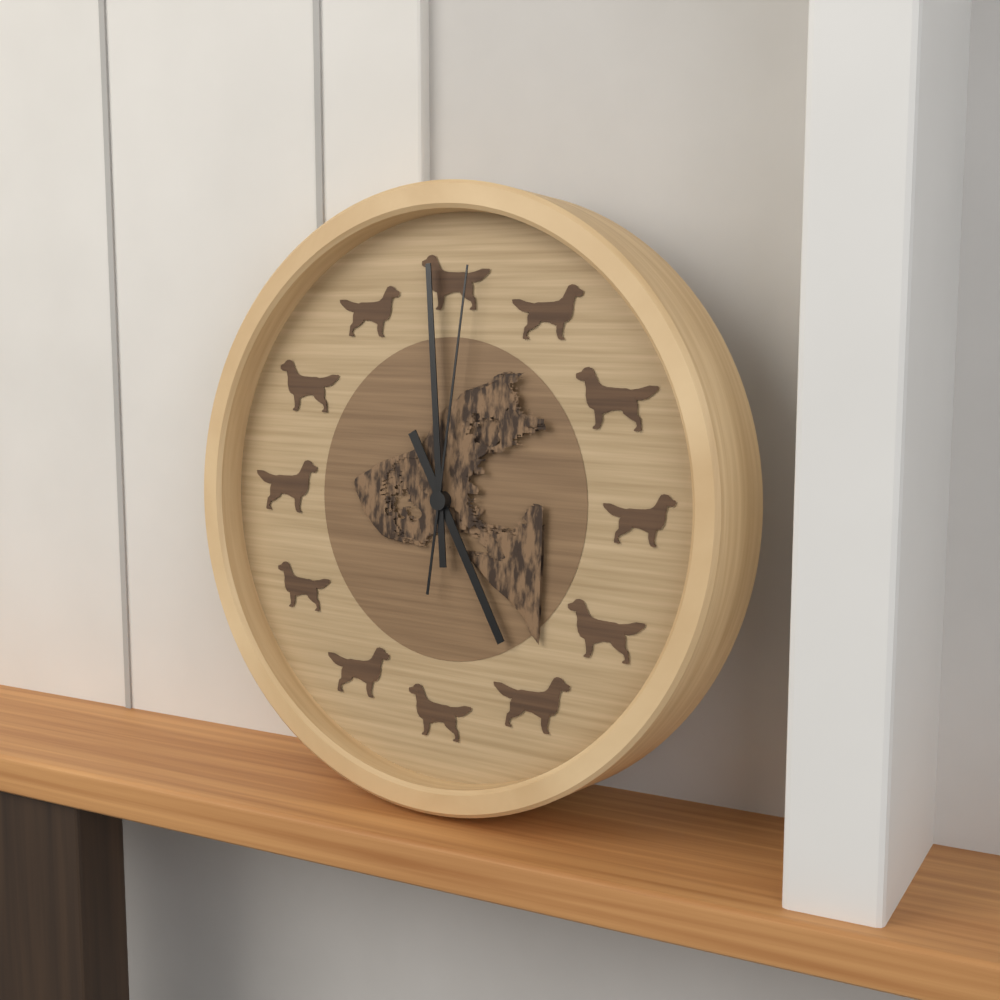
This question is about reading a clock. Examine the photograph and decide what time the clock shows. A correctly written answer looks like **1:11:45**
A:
**4:59:01**
